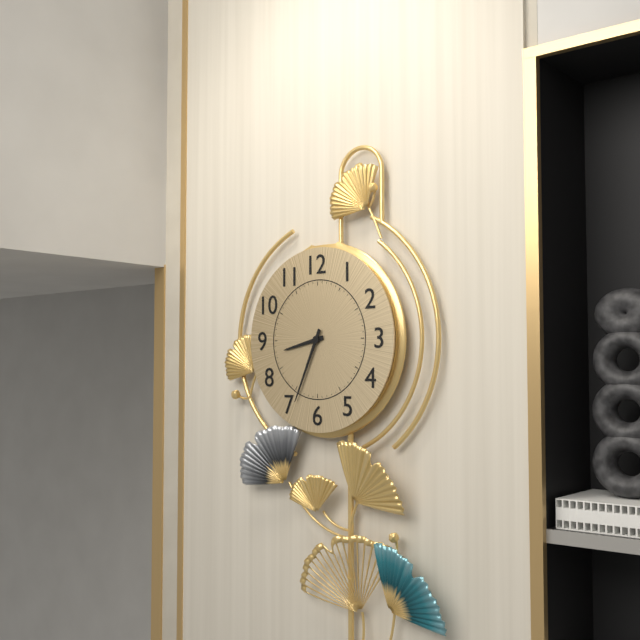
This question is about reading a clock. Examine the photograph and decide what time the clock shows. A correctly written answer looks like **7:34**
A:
**8:34**
